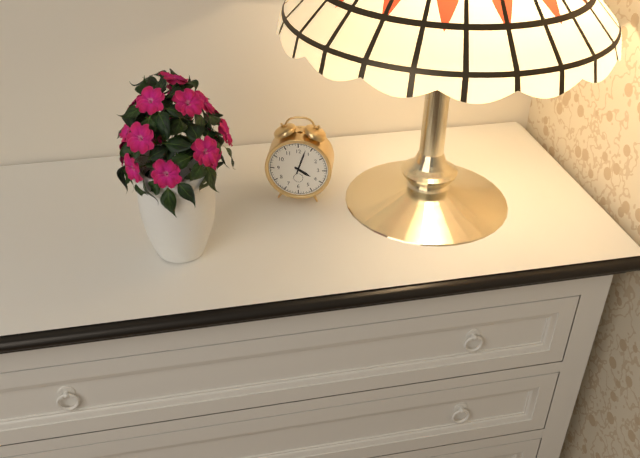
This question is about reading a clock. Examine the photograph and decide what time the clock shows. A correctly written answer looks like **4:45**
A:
**4:03**
